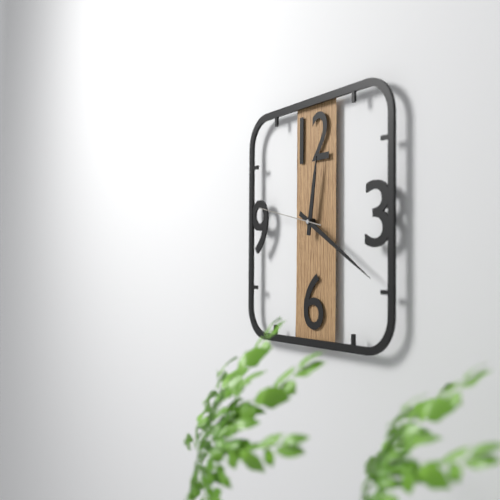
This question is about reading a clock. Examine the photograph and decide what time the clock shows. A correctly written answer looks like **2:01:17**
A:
**12:20:47**
